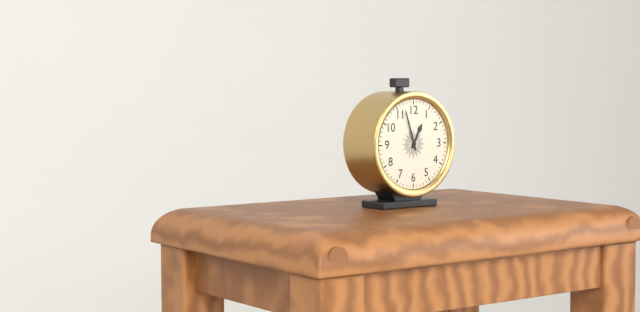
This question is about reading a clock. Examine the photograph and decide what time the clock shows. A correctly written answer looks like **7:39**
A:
**12:57**
